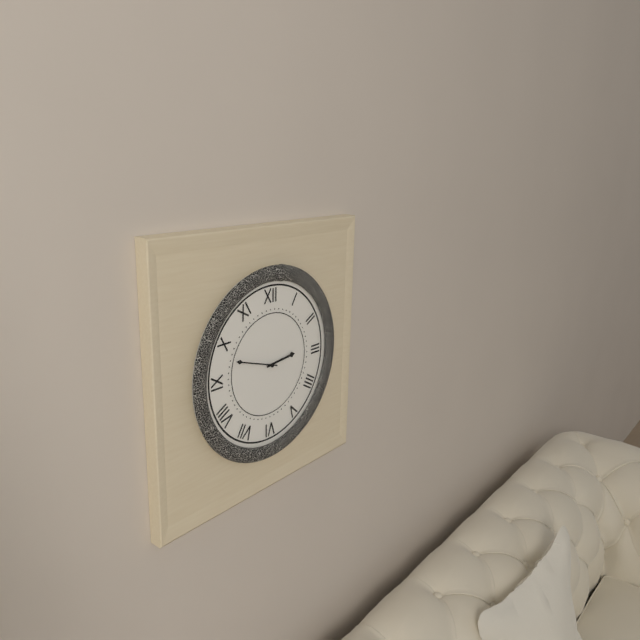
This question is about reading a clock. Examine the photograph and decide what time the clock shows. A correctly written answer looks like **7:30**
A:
**2:48**
